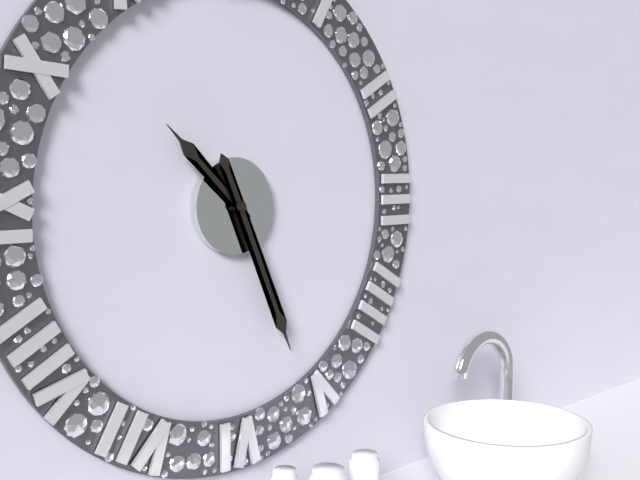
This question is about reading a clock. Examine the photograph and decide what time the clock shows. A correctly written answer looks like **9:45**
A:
**10:26**
